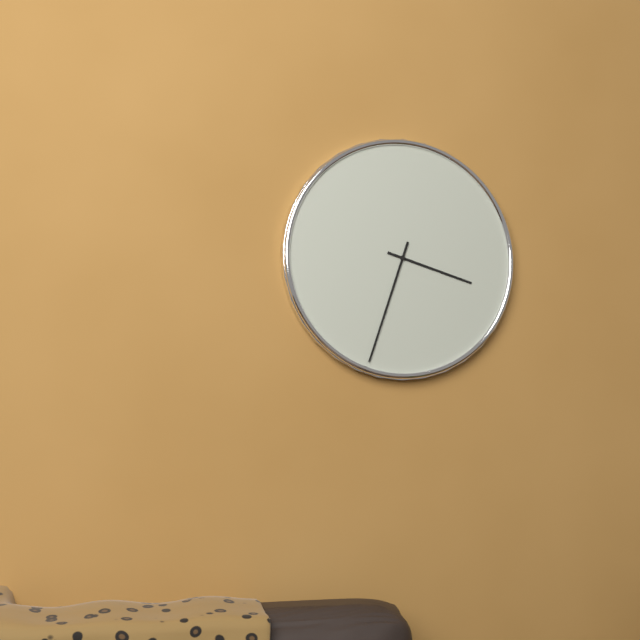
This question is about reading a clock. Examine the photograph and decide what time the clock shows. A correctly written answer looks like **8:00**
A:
**3:33**
